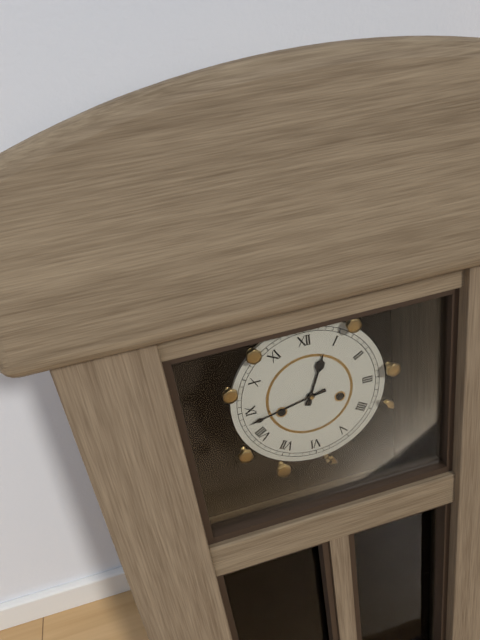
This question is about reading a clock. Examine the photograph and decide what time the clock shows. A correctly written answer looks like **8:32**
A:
**12:43**
